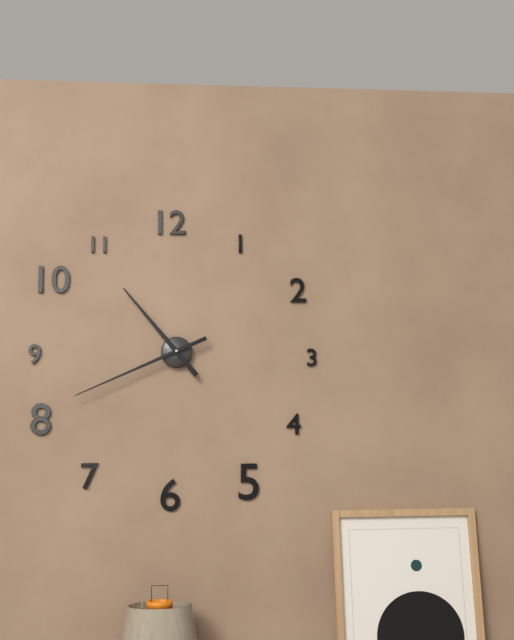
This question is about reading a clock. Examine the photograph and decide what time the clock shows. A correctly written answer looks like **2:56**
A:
**10:41**
